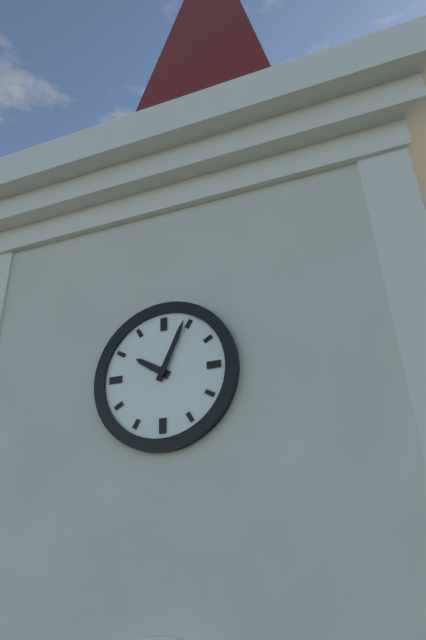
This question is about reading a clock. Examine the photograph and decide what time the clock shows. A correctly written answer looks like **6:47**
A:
**10:04**
